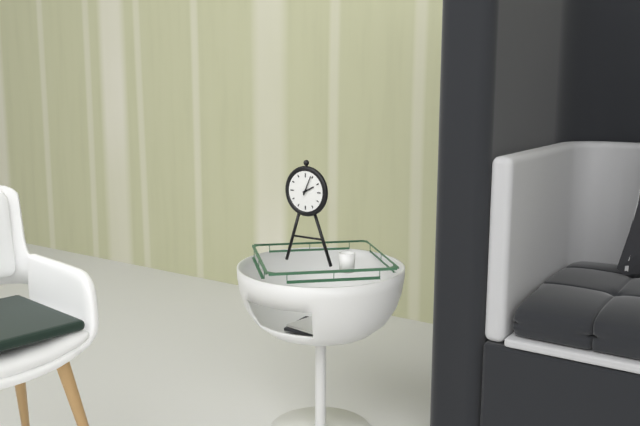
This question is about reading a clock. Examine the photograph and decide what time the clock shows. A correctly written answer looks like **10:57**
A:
**2:04**
